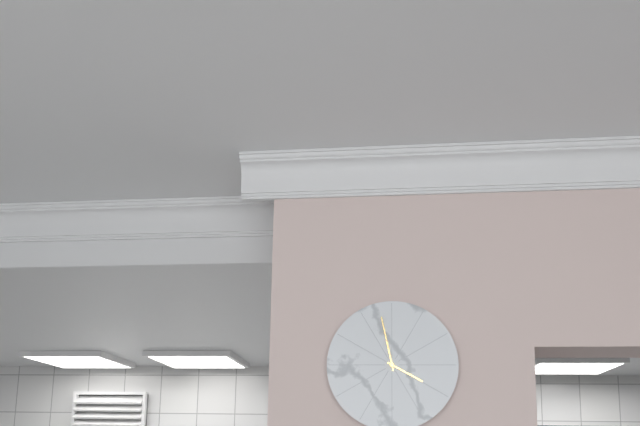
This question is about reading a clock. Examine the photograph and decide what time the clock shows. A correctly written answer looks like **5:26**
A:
**3:58**
